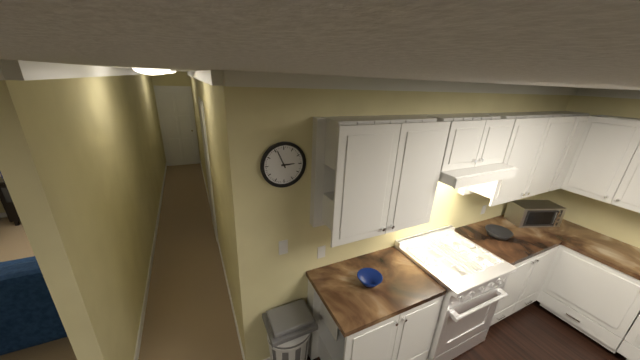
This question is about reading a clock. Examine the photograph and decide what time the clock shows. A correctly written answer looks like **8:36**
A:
**2:56**
